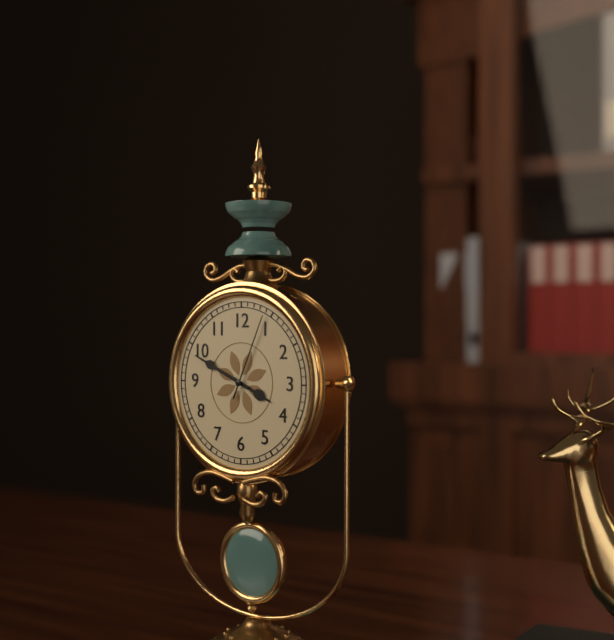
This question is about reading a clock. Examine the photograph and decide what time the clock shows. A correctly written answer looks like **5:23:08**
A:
**3:49:04**
